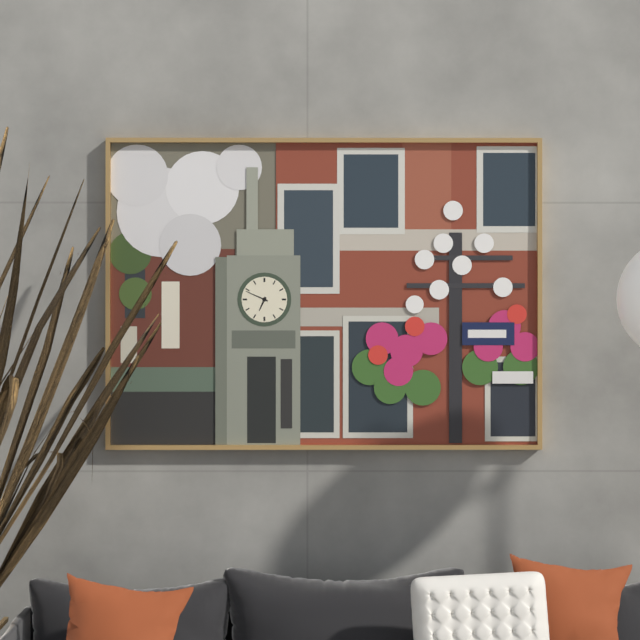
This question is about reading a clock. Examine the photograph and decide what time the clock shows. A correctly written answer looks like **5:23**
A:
**6:49**
